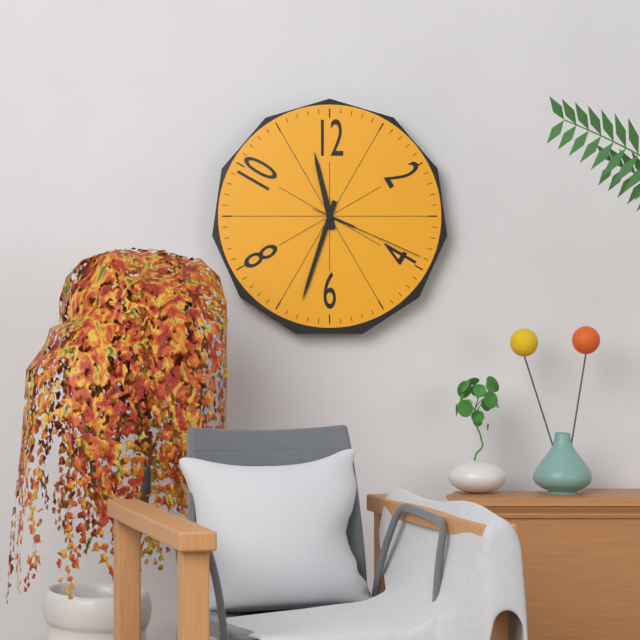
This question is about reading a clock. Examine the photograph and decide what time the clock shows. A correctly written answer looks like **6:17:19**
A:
**11:33:19**
